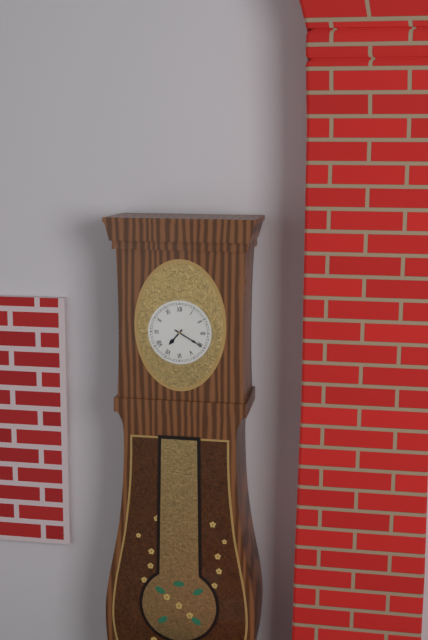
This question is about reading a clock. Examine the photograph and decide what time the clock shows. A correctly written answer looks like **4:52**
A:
**7:20**
